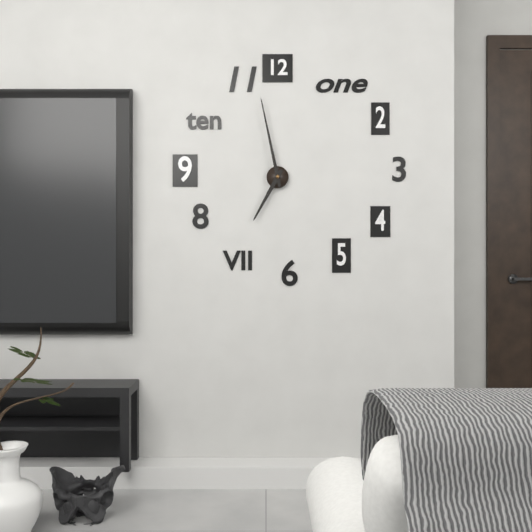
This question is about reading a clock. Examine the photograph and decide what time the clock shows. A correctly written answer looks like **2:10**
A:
**6:58**
